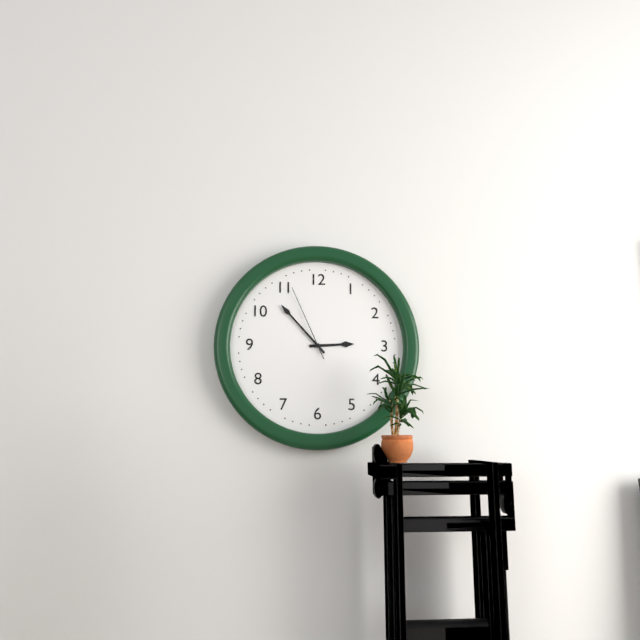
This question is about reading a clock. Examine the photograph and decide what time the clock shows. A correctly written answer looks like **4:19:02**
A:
**2:53:56**
